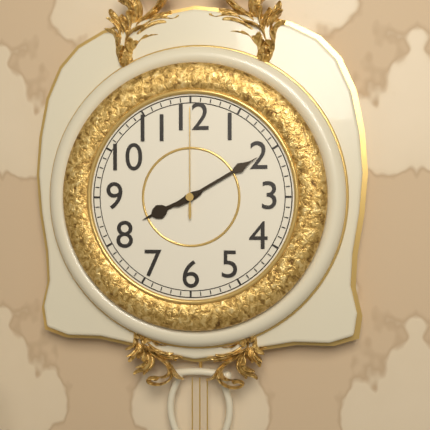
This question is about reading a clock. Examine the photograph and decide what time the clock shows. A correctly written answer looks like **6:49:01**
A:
**8:10:00**
